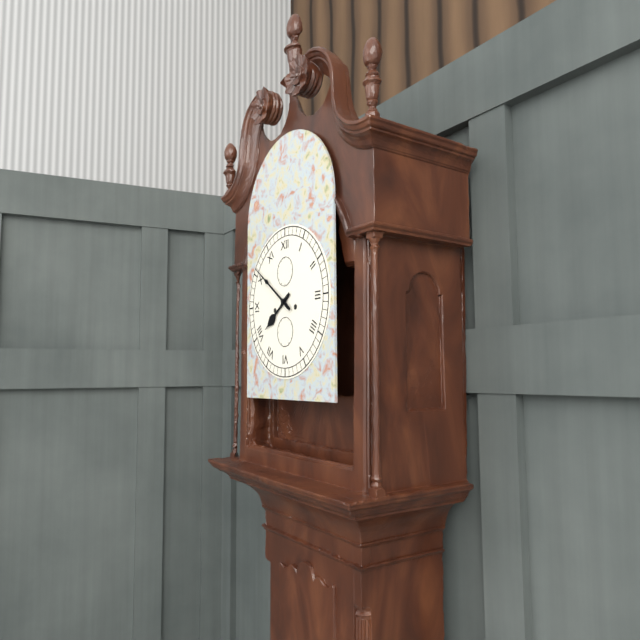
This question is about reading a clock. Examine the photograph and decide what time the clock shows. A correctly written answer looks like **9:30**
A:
**7:51**
